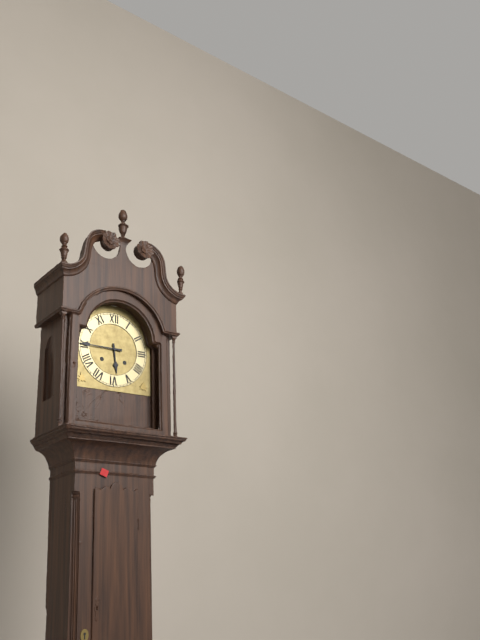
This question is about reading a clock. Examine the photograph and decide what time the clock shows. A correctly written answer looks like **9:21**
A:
**5:45**
